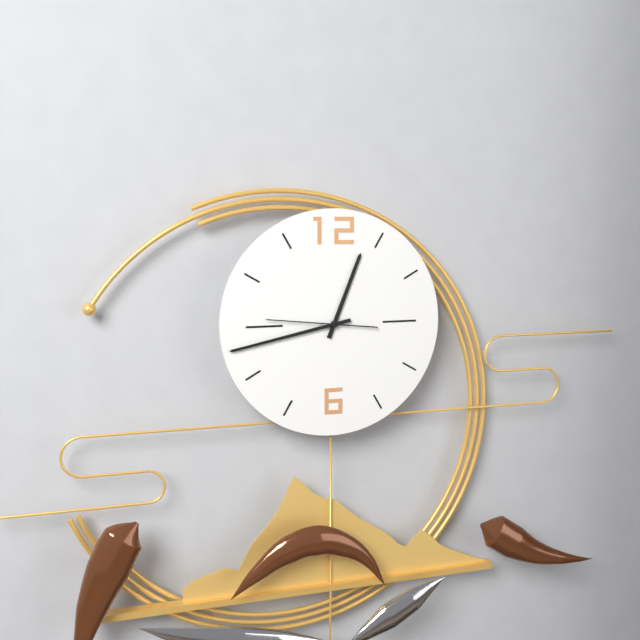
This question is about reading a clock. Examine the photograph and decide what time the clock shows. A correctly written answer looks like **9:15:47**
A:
**12:43:46**
